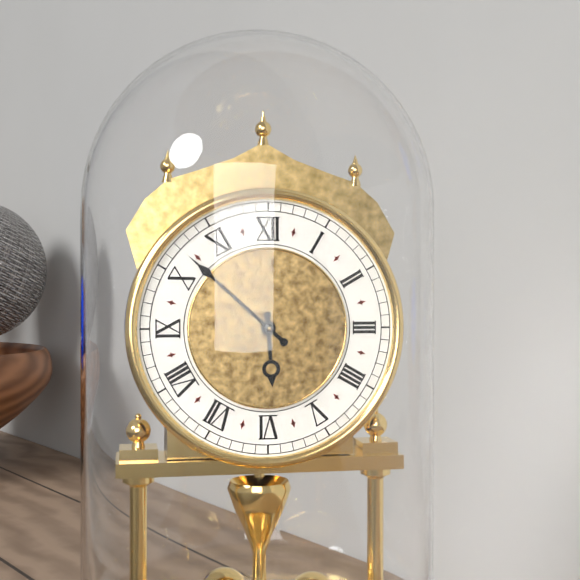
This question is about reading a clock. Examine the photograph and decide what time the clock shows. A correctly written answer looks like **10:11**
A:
**5:52**
